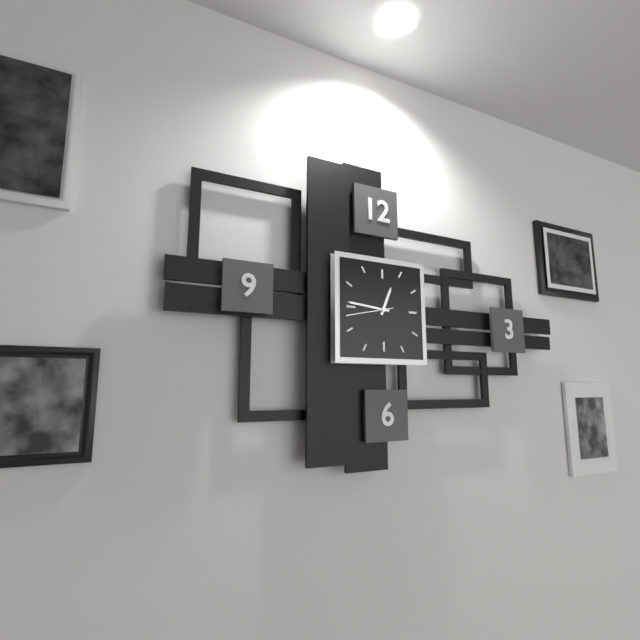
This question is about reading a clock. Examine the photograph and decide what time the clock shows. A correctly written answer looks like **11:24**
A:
**12:46**
